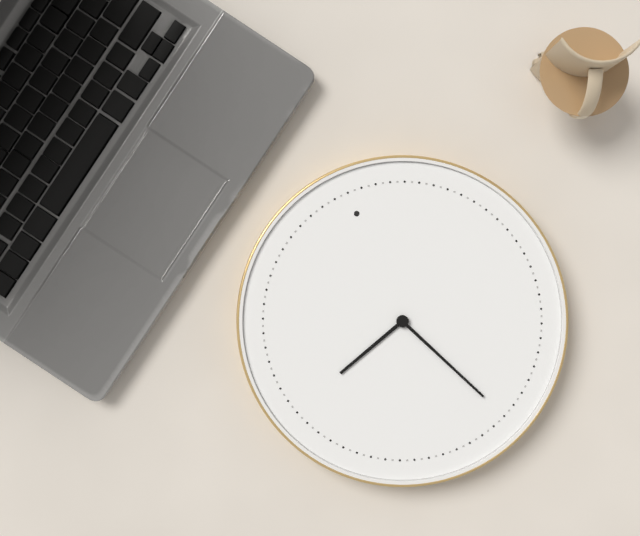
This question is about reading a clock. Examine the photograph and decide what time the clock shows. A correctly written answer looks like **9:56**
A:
**8:26**
